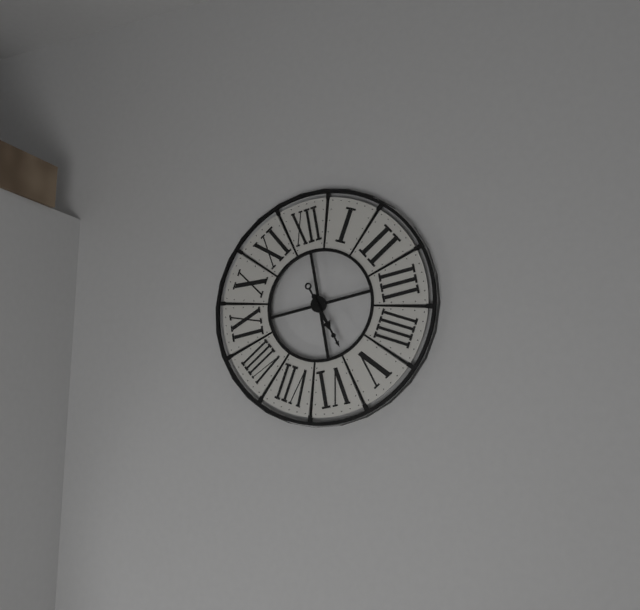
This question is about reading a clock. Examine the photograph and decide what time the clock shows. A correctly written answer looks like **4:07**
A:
**5:27**
